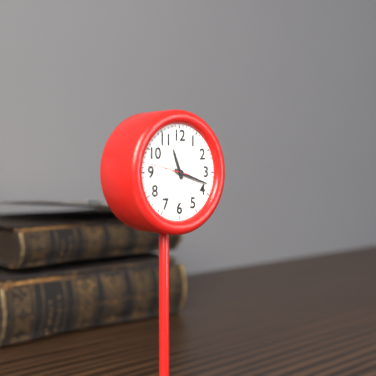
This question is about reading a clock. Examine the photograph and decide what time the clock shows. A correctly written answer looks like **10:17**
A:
**11:18**
